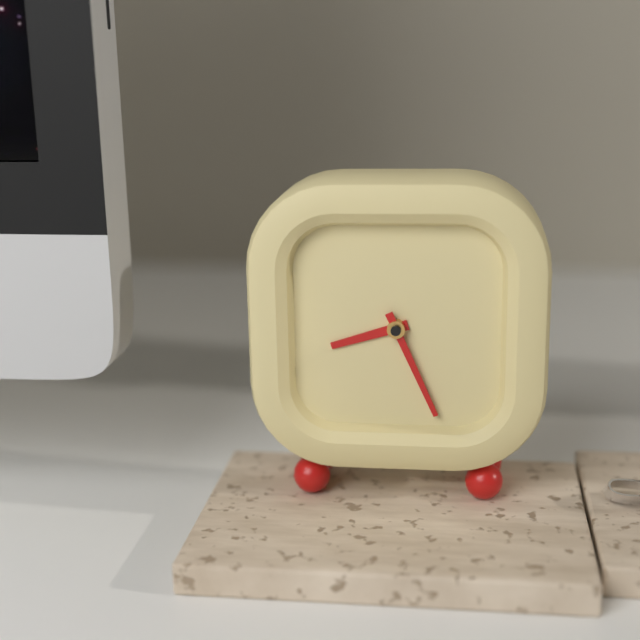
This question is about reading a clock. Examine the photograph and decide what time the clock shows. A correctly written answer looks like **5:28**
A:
**8:26**
